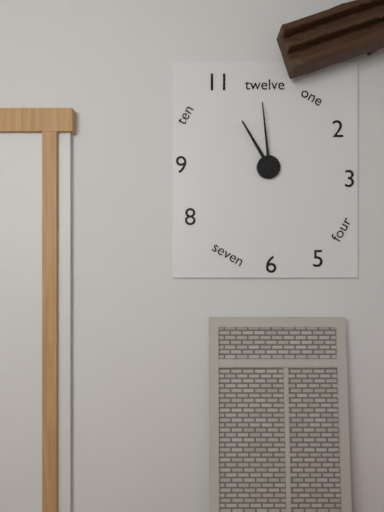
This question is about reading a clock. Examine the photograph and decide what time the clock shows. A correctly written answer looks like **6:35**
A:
**10:59**
